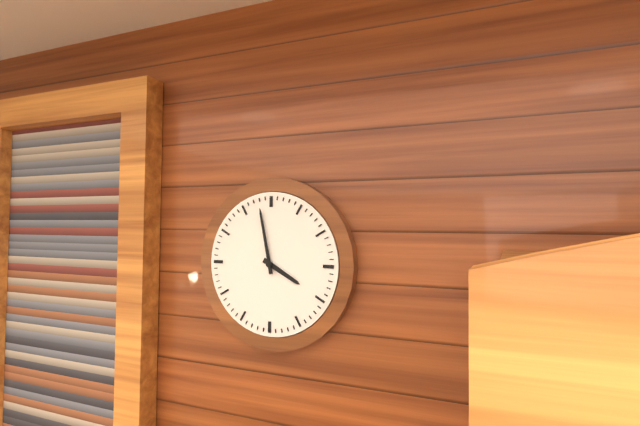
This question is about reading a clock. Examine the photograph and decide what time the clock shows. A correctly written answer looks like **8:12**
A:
**3:58**
